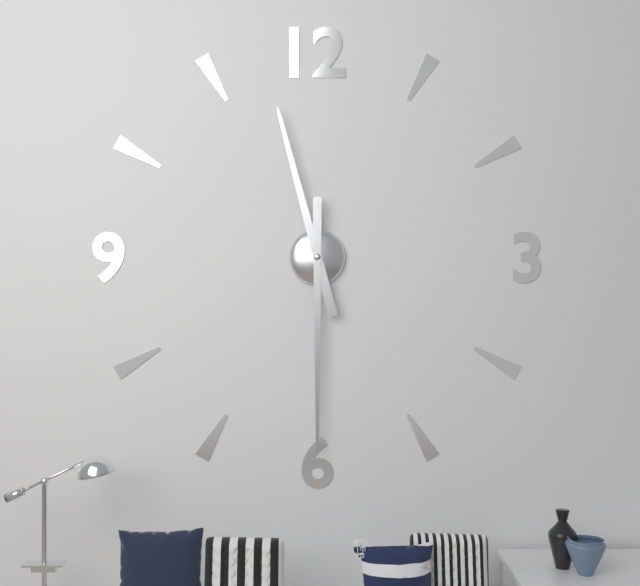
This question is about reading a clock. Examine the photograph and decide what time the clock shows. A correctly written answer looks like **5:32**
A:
**11:30**
